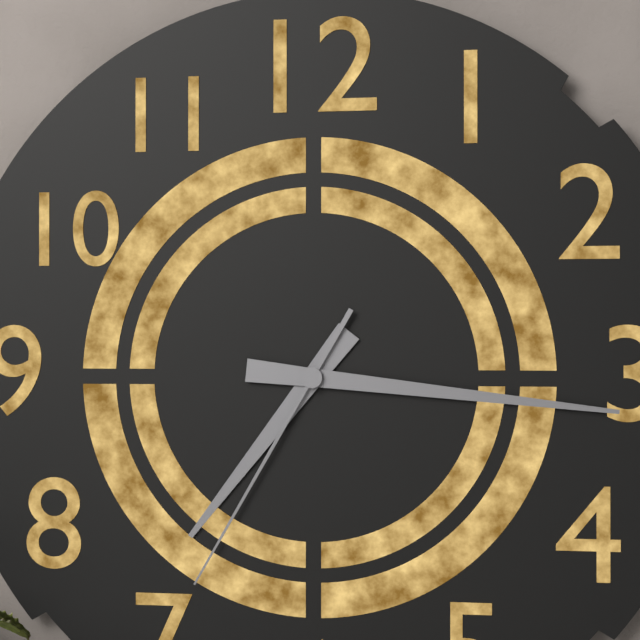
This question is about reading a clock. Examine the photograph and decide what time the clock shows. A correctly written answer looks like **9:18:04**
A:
**7:16:35**
